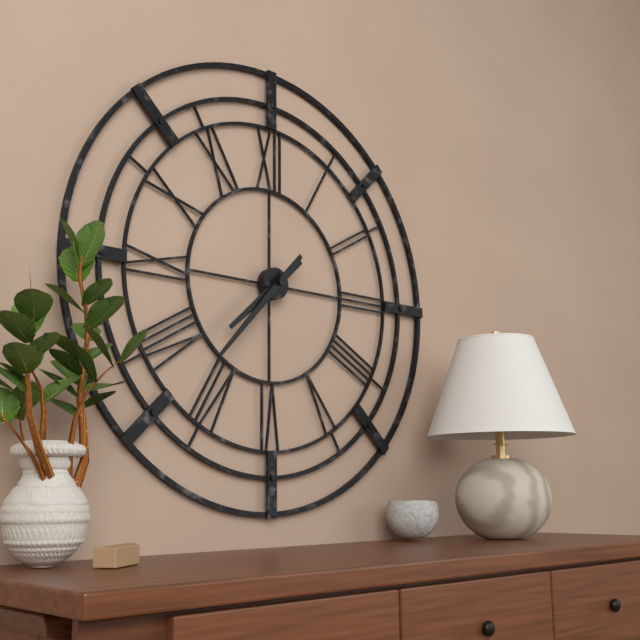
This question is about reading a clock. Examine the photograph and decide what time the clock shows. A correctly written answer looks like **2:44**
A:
**7:37**
